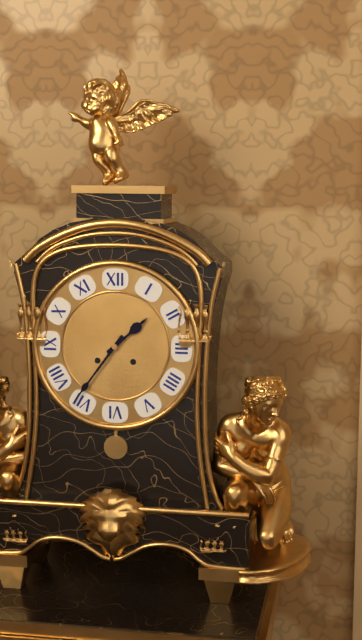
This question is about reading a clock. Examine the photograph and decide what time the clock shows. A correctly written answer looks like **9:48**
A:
**1:36**
